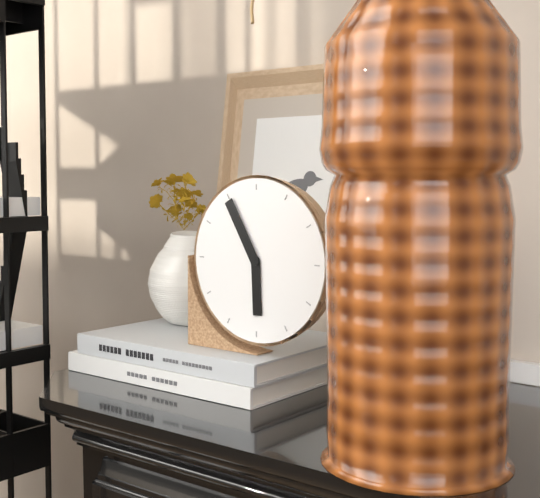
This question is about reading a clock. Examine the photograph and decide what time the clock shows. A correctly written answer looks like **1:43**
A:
**5:55**
